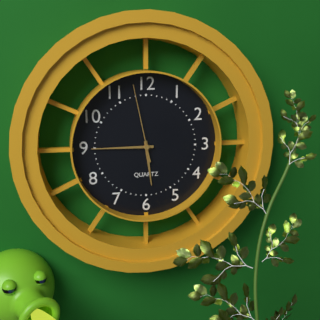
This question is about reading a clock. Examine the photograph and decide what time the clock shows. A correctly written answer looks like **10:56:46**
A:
**5:45:58**
